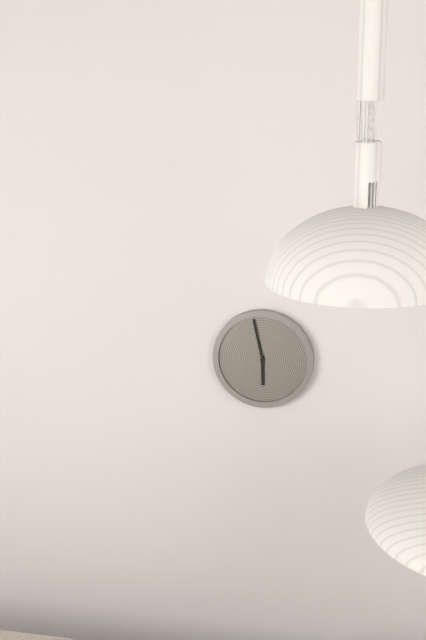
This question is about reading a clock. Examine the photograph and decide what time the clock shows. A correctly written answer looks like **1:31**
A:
**5:58**
